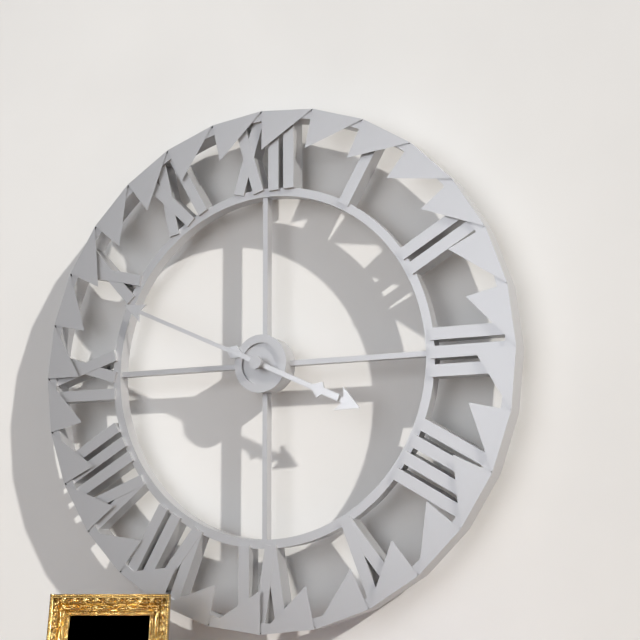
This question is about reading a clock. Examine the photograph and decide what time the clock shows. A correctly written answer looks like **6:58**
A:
**3:49**
